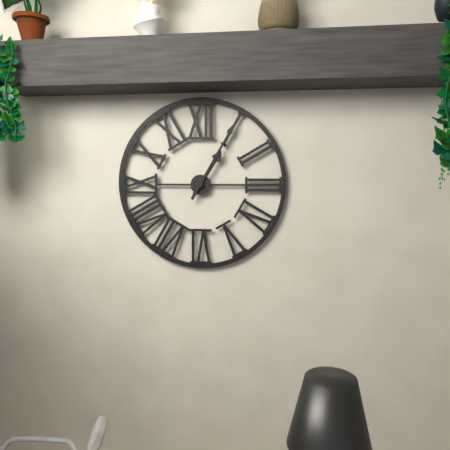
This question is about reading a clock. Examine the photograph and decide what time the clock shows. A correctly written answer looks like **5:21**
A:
**1:05**
